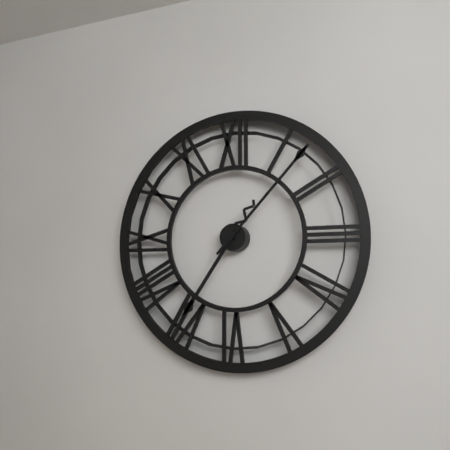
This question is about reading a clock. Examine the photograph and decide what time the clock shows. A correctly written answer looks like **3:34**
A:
**7:07**
